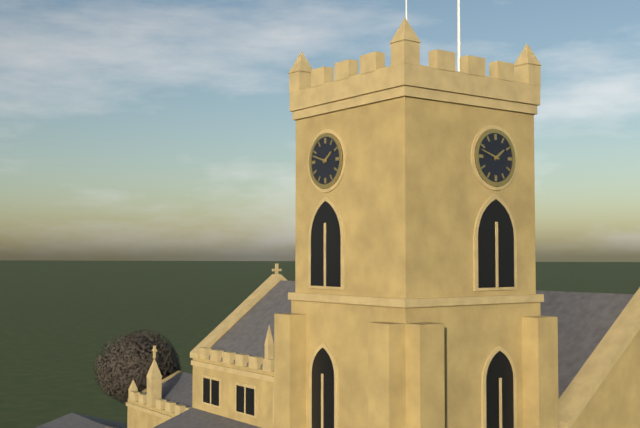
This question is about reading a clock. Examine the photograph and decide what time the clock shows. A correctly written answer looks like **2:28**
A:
**1:48**
